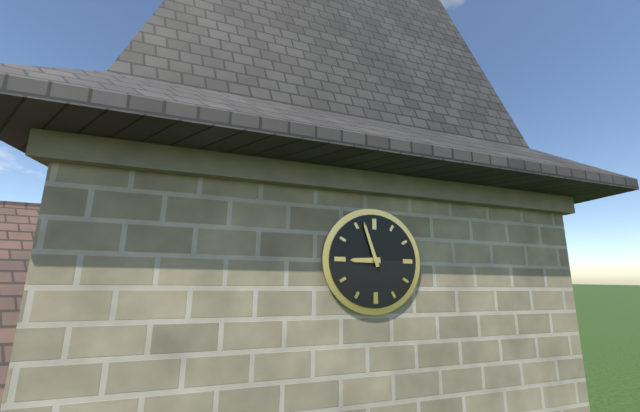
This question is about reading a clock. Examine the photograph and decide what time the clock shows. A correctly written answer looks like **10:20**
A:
**8:57**
